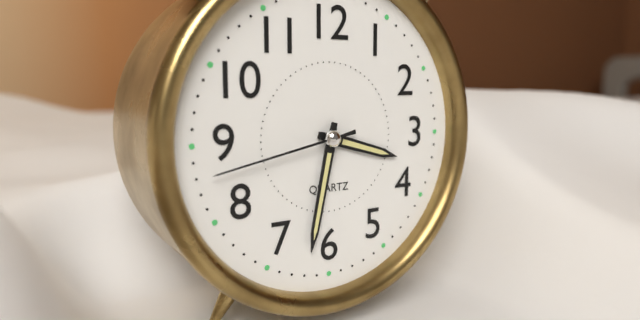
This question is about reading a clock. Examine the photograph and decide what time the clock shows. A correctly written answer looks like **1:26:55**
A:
**3:32:43**
